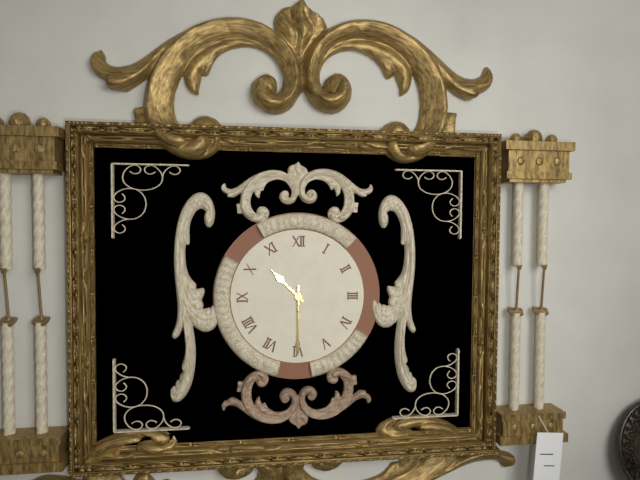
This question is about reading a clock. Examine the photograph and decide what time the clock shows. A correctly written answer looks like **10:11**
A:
**10:30**
